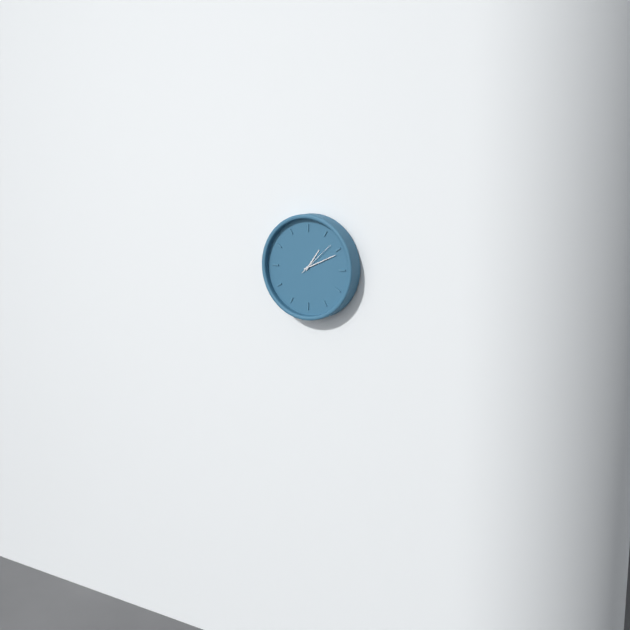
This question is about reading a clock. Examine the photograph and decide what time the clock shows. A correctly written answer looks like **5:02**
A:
**1:11**
